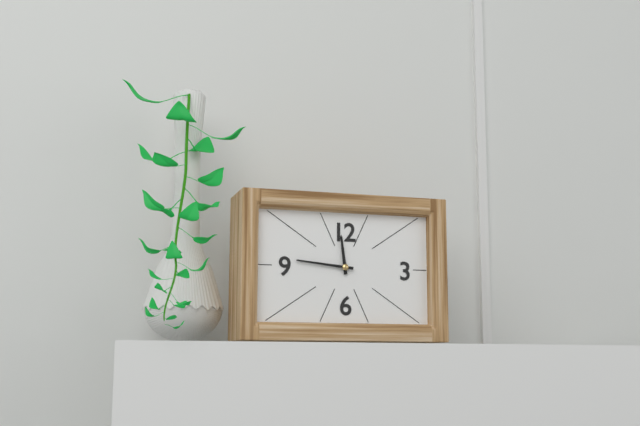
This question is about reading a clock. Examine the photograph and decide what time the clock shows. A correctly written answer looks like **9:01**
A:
**11:46**
